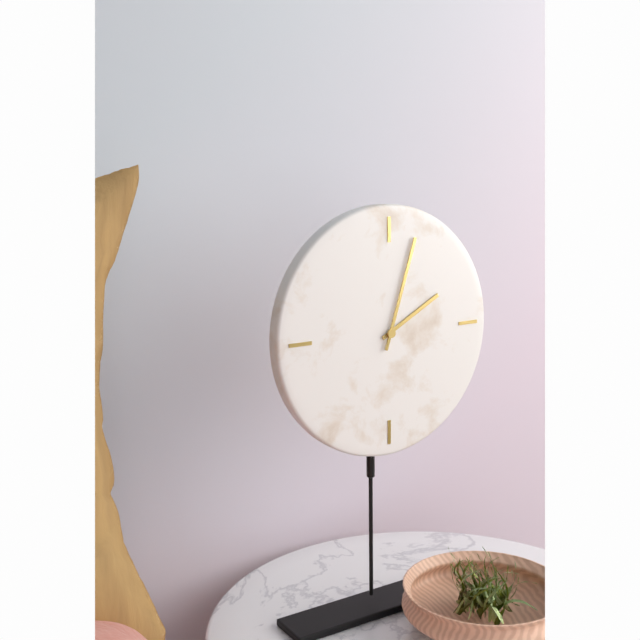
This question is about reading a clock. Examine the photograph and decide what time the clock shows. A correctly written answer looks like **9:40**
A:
**2:03**
